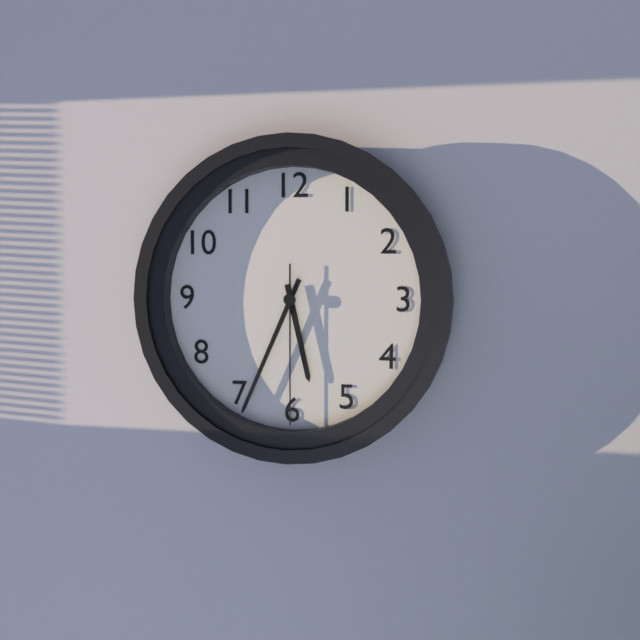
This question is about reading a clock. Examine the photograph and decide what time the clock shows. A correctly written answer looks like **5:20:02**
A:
**5:34:30**
